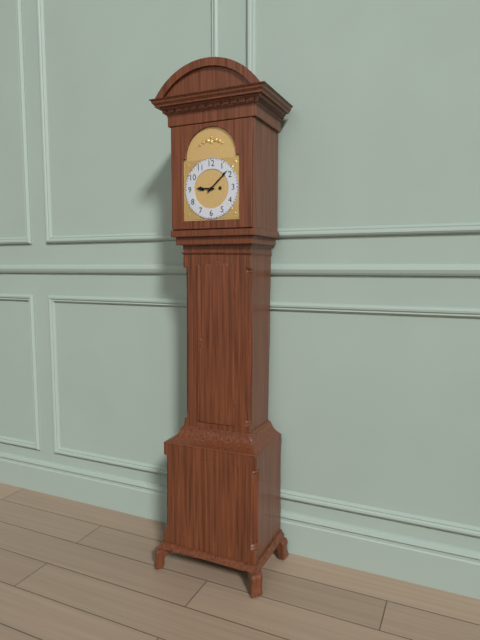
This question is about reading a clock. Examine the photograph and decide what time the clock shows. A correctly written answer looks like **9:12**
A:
**9:08**
